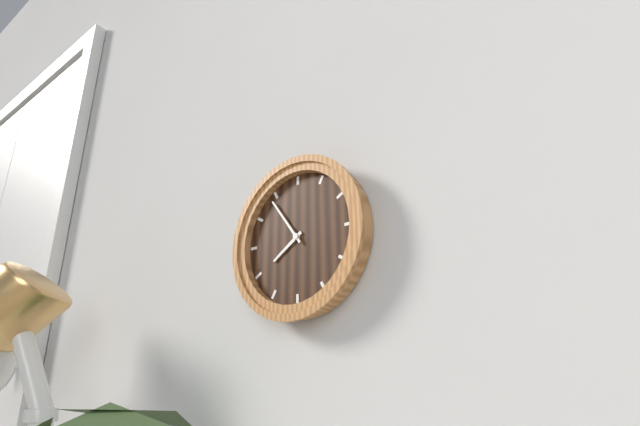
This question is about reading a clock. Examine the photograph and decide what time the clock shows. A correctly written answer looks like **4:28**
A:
**7:54**
